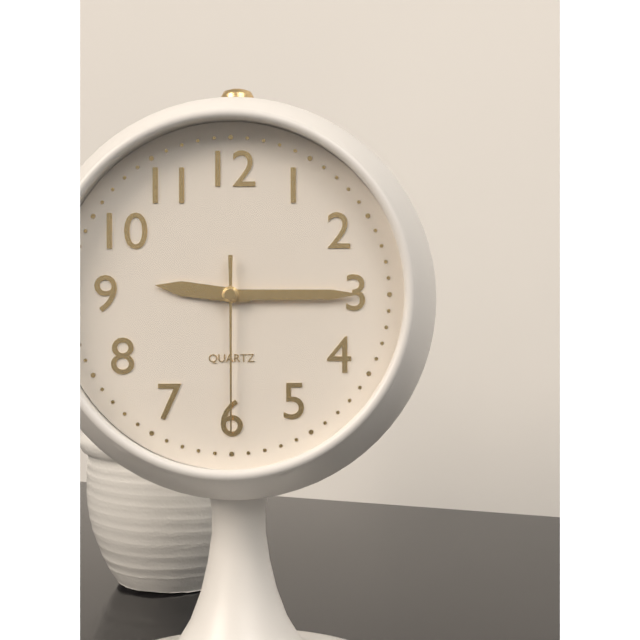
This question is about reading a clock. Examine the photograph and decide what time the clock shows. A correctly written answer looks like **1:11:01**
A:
**9:15:30**
